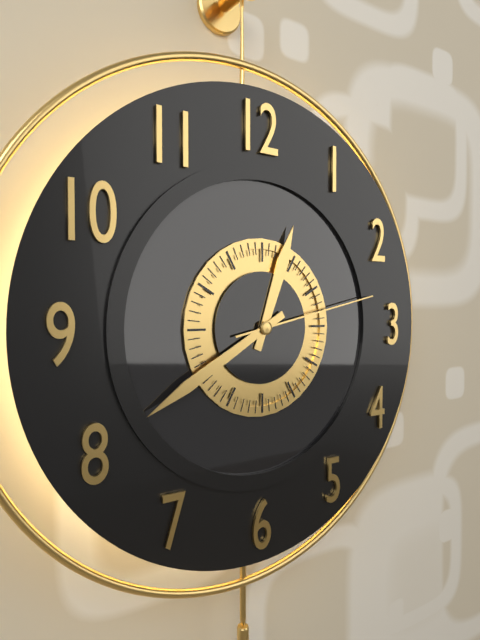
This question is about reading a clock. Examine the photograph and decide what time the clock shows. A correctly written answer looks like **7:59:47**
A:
**12:40:13**
